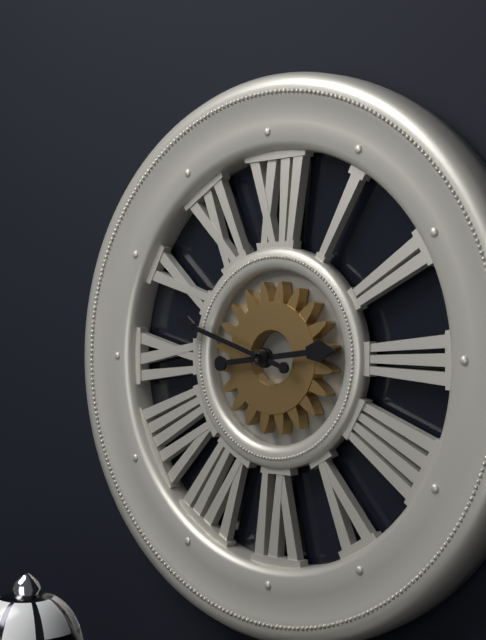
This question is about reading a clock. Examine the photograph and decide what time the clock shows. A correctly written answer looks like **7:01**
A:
**2:48**
